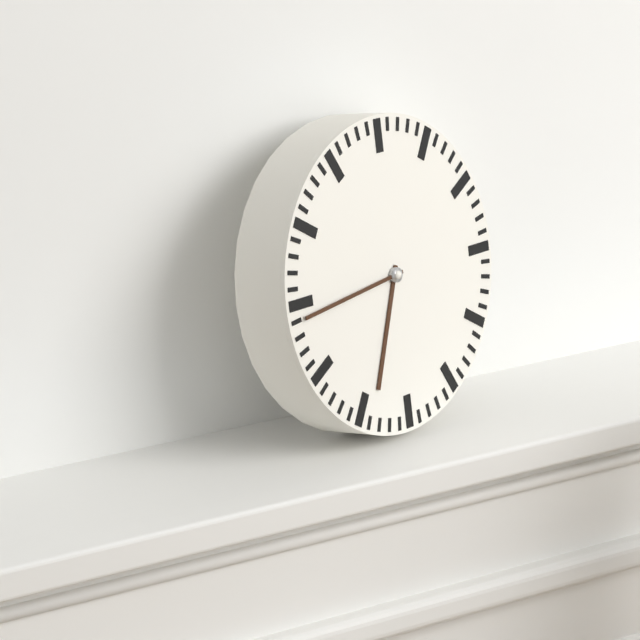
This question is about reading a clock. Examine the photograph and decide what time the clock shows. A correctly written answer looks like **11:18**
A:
**6:44**
